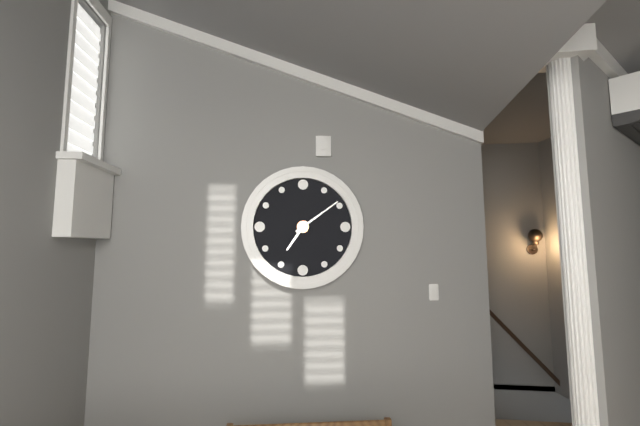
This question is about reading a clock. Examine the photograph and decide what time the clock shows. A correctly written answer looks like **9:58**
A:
**7:09**
